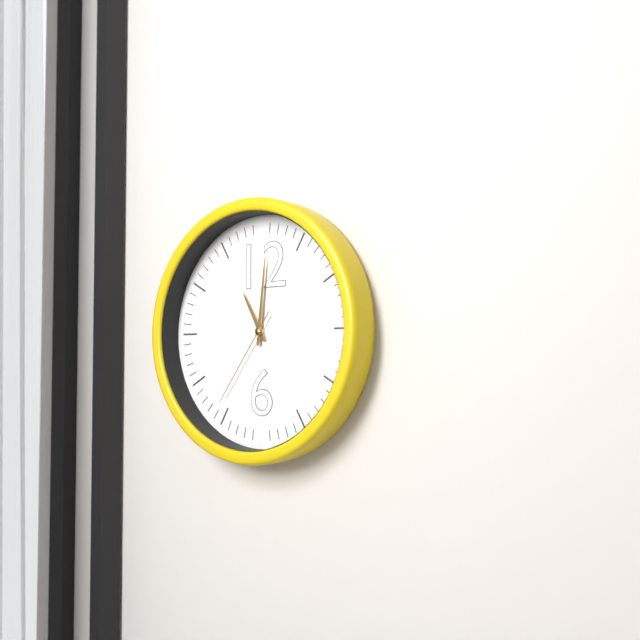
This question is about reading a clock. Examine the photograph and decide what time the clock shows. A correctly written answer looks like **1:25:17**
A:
**11:01:36**
